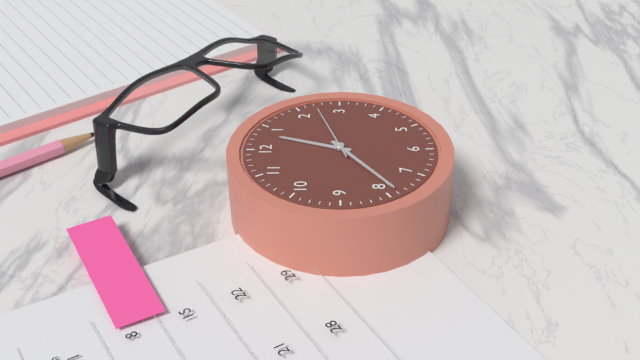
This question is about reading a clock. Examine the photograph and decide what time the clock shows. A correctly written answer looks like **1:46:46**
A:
**12:39:12**
